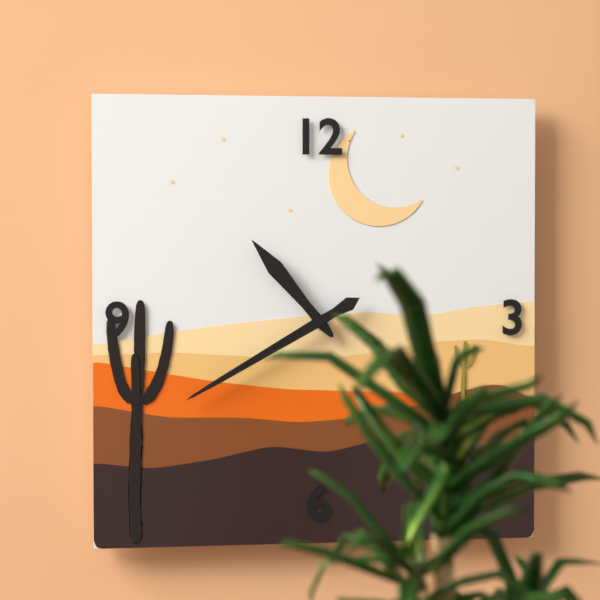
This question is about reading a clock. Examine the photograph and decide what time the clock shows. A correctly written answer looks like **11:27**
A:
**10:40**
